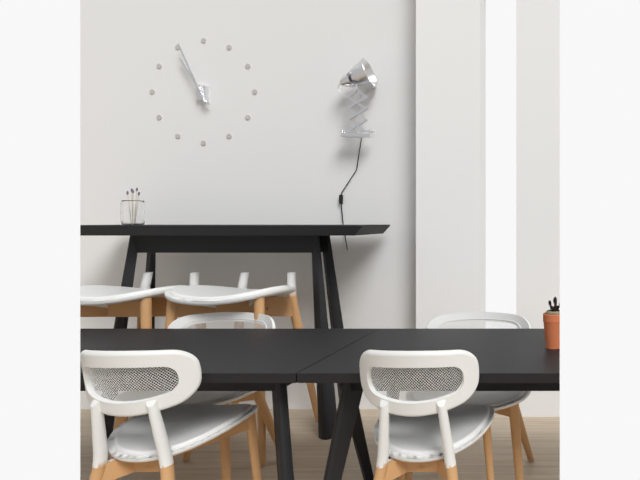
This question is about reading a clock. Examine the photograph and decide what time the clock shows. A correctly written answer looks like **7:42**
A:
**10:56**
